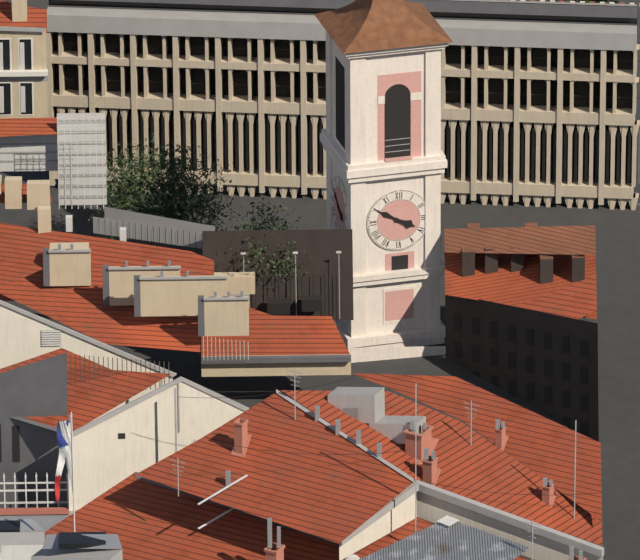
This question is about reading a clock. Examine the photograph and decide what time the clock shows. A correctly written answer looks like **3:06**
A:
**3:50**
